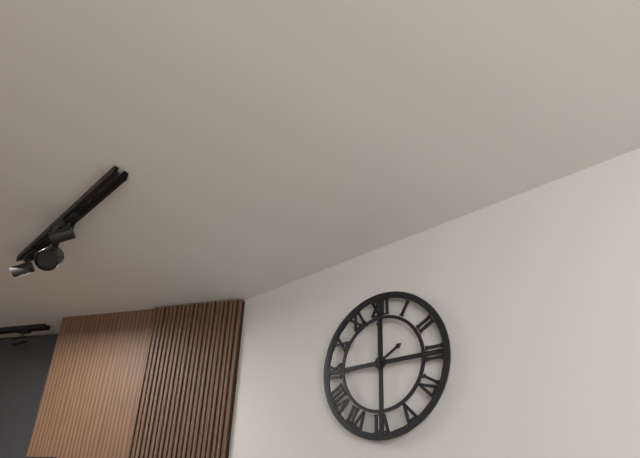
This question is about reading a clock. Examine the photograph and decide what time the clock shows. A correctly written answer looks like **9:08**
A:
**2:00**
